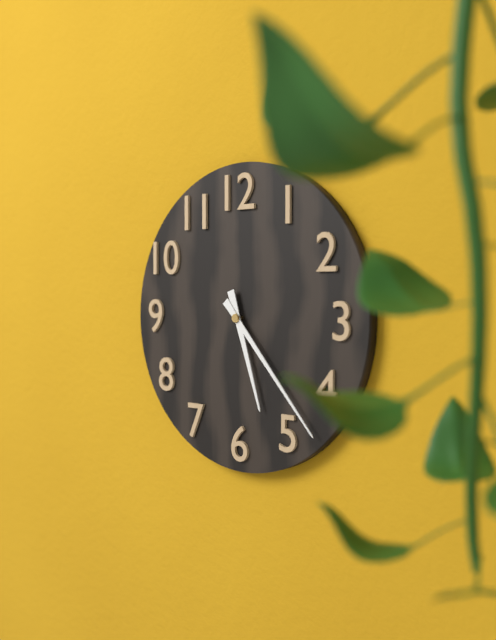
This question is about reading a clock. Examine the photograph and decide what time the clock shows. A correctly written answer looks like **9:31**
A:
**5:23**
